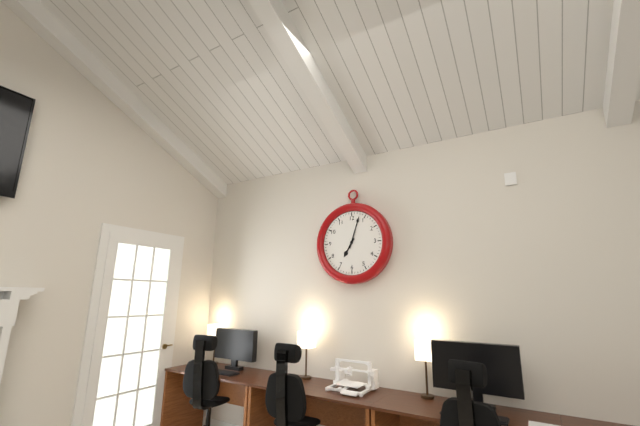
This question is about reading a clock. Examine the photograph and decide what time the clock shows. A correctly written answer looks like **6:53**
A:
**7:03**
